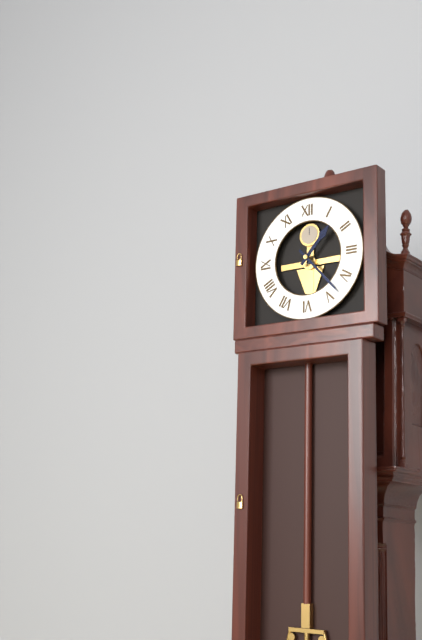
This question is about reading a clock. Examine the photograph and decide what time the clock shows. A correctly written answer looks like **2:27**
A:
**1:23**
